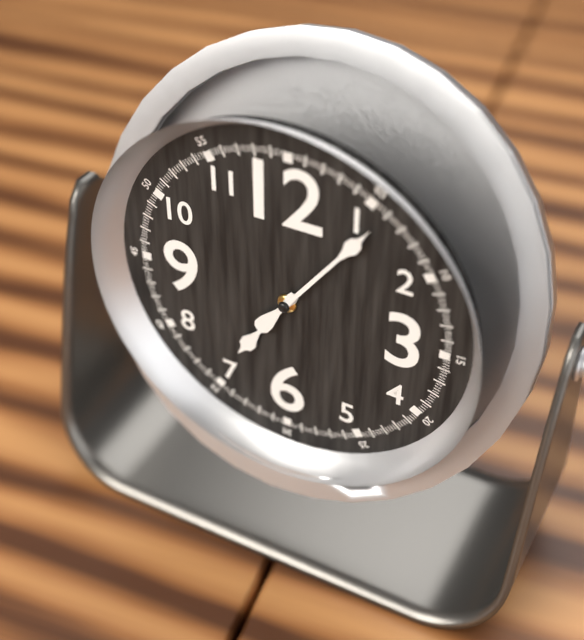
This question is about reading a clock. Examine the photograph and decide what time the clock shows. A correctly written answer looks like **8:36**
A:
**7:06**
